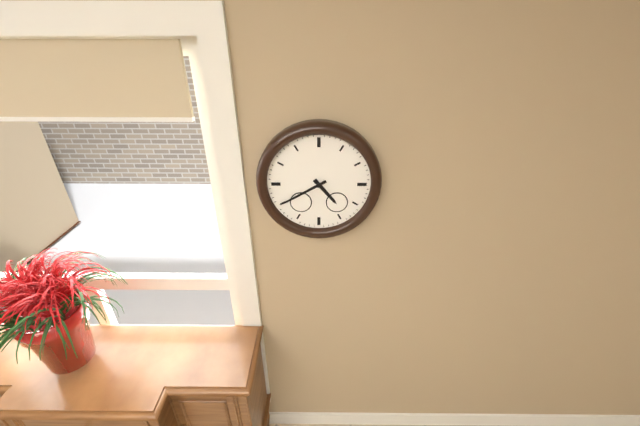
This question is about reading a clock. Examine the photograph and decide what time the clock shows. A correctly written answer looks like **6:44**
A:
**4:40**
